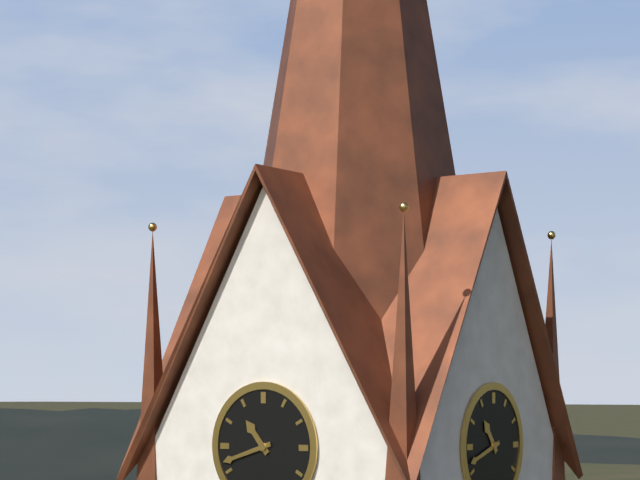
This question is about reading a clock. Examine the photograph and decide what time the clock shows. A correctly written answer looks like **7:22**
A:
**10:42**
